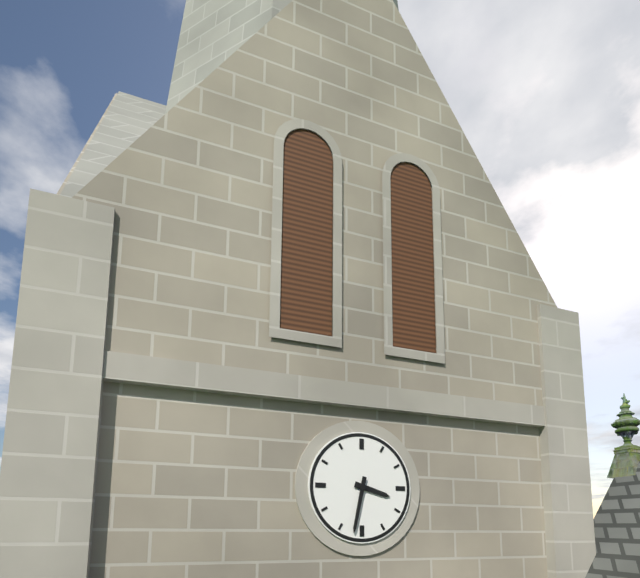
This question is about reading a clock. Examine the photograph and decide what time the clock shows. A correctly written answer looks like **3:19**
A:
**3:32**
